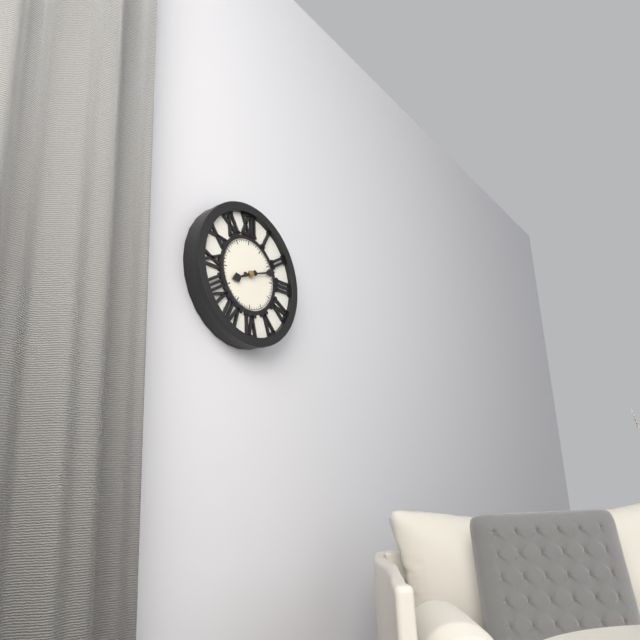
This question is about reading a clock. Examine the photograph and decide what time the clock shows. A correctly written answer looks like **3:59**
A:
**8:12**
